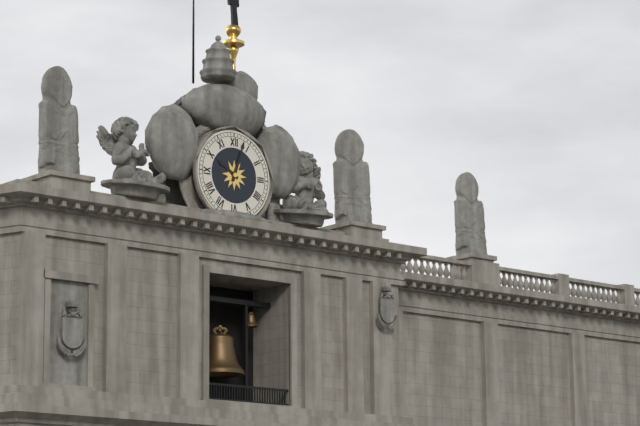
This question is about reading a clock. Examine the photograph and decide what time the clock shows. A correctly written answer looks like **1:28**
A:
**10:03**
